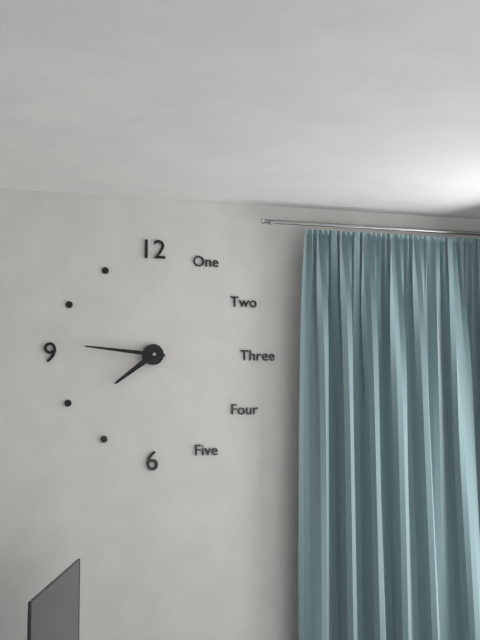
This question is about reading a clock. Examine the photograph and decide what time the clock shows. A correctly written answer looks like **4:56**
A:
**7:46**
